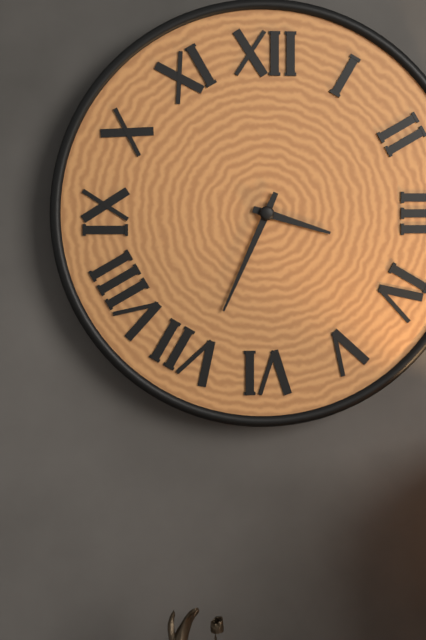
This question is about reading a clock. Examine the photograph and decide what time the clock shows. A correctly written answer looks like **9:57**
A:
**3:34**
